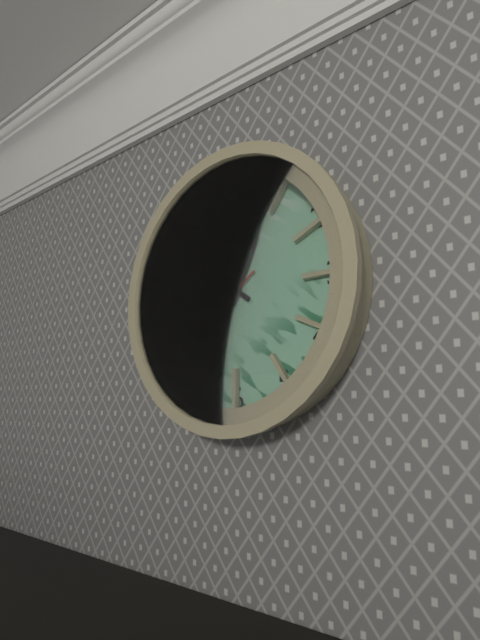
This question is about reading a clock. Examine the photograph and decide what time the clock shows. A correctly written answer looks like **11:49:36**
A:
**12:51:39**
